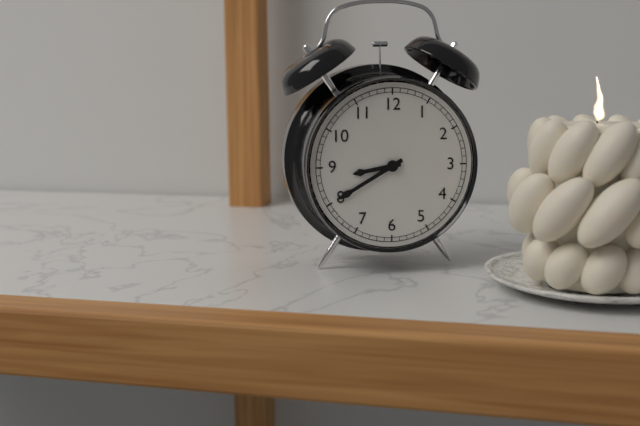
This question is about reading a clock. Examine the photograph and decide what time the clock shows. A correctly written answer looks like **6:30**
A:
**8:40**
